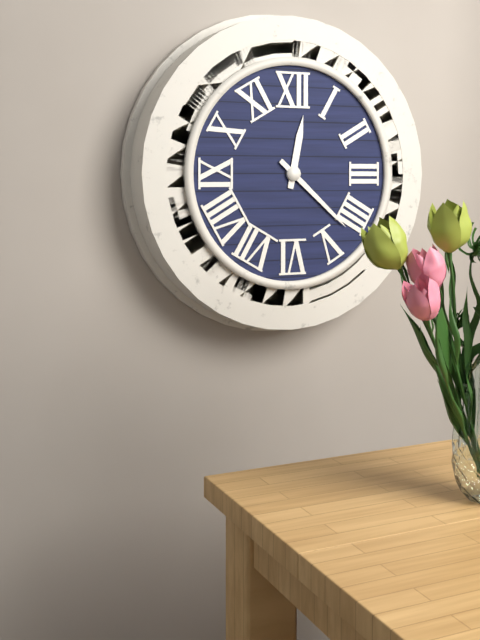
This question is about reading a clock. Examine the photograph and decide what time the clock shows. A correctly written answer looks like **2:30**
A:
**12:22**
